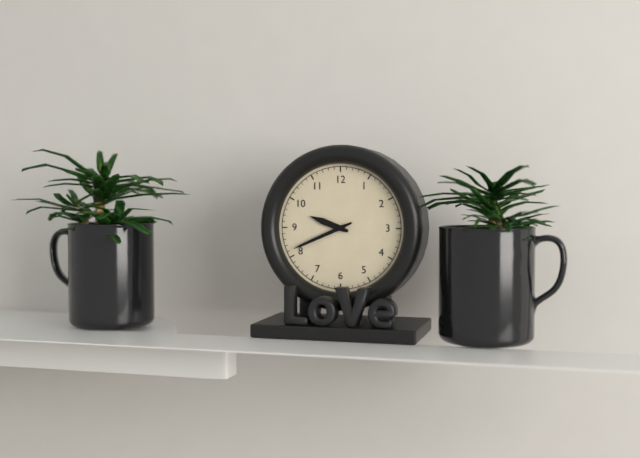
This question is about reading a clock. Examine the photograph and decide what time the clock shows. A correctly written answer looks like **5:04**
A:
**9:41**
